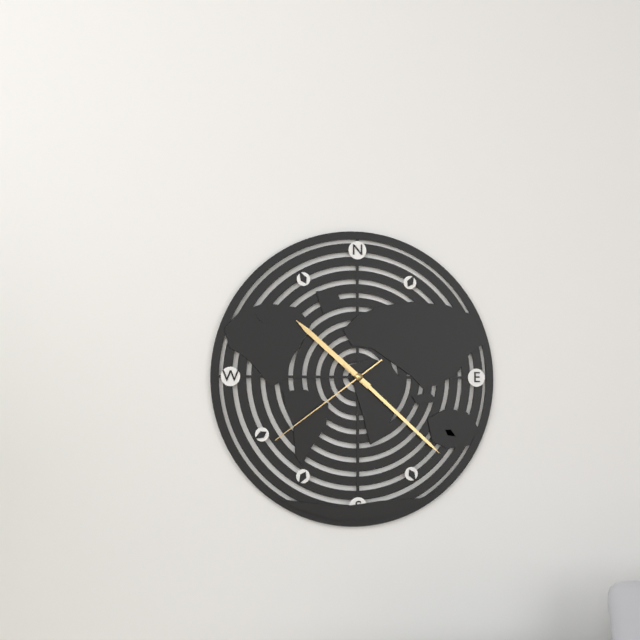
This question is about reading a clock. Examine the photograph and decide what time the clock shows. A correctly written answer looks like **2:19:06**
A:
**10:22:39**
